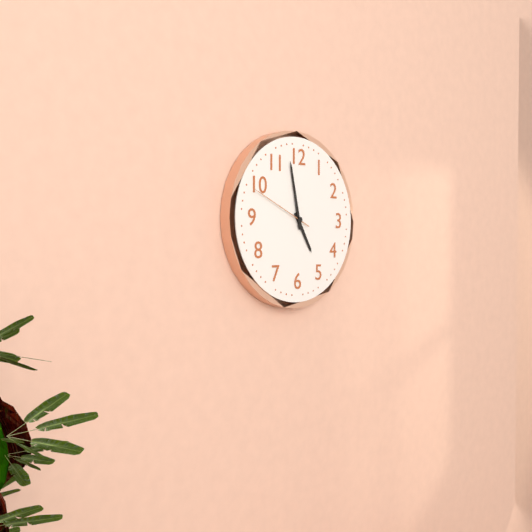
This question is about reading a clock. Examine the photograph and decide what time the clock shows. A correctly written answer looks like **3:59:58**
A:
**4:58:49**
